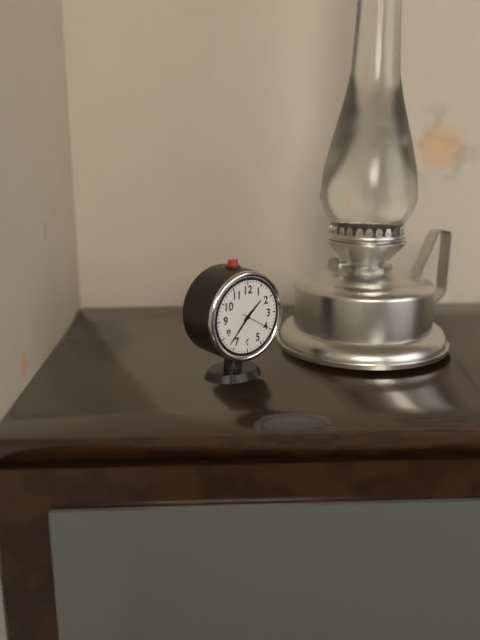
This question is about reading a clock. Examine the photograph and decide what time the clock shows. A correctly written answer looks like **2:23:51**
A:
**1:37:20**
